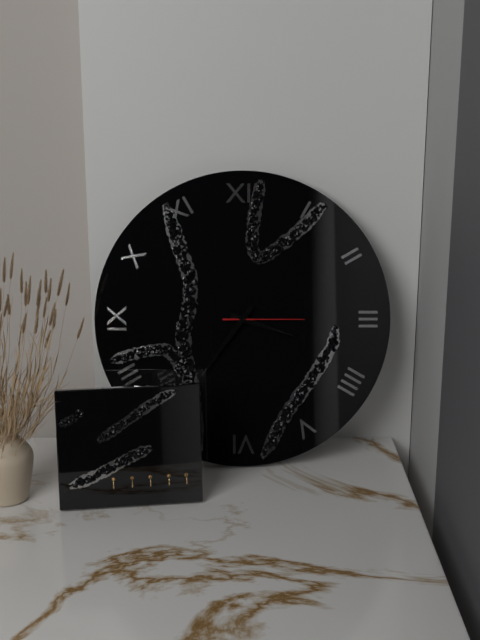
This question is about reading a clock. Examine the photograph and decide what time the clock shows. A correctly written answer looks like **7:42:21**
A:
**3:36:15**
